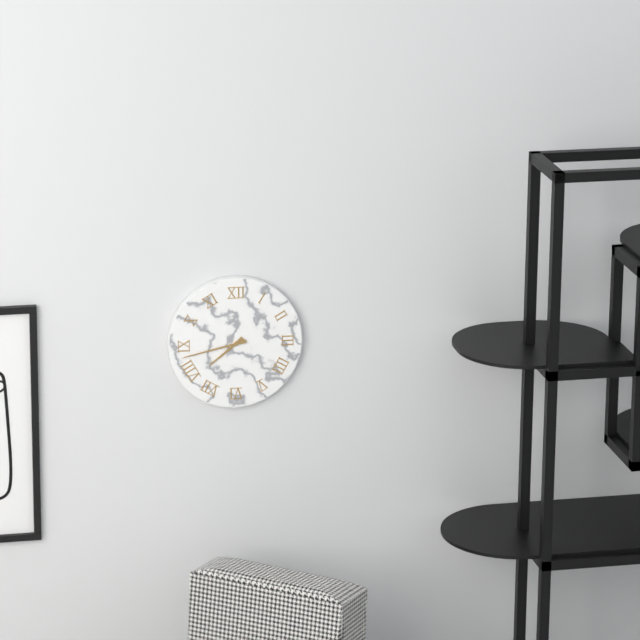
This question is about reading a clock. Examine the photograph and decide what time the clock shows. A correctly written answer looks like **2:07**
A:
**7:43**
